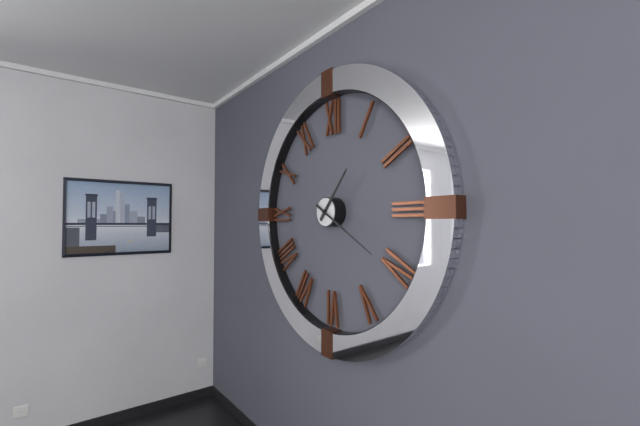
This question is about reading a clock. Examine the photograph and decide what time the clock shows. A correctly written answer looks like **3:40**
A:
**1:20**
